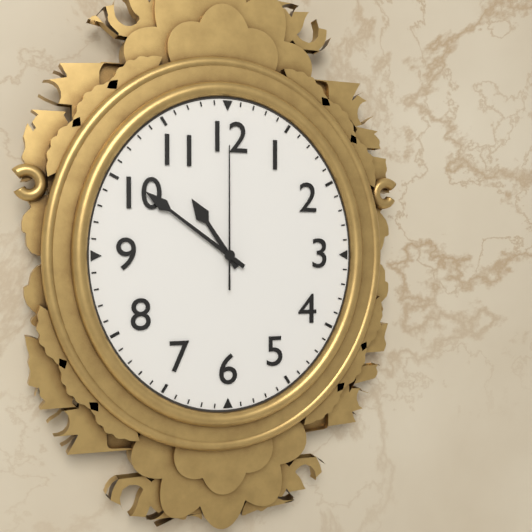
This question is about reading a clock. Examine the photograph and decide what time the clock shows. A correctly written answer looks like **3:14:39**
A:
**10:51:00**
